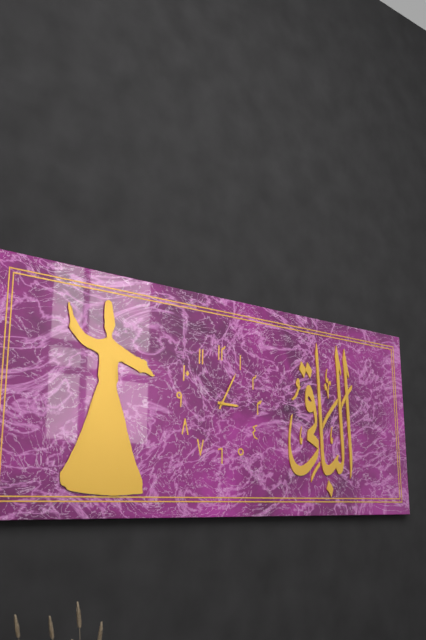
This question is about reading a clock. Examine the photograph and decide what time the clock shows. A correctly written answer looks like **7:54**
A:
**3:05**
